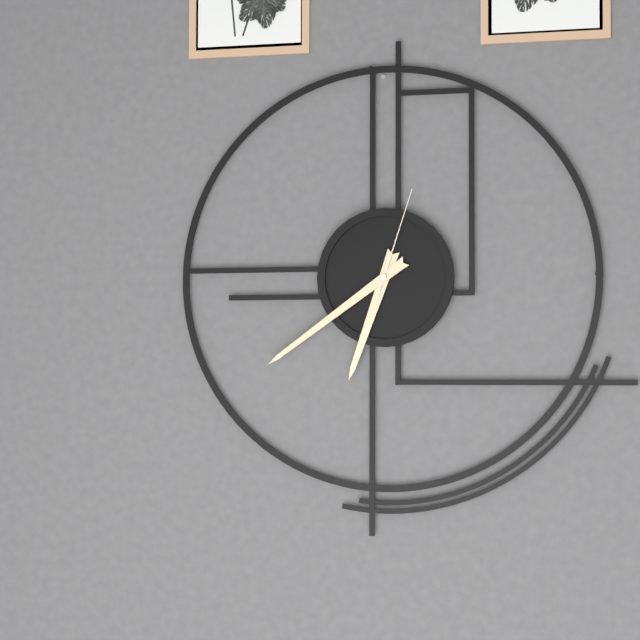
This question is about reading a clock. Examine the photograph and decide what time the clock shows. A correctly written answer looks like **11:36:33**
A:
**6:39:03**
